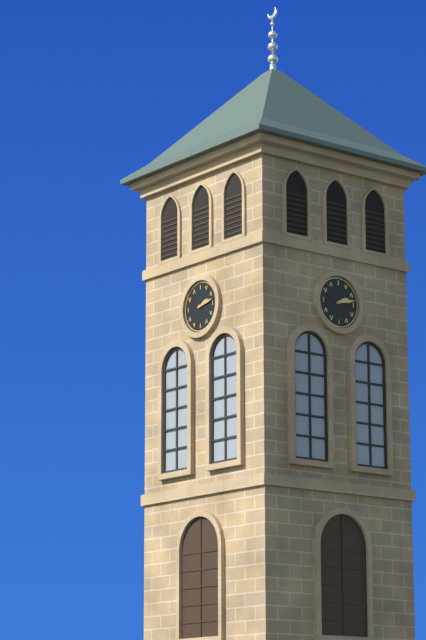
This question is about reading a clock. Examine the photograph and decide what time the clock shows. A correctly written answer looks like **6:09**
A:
**2:13**
